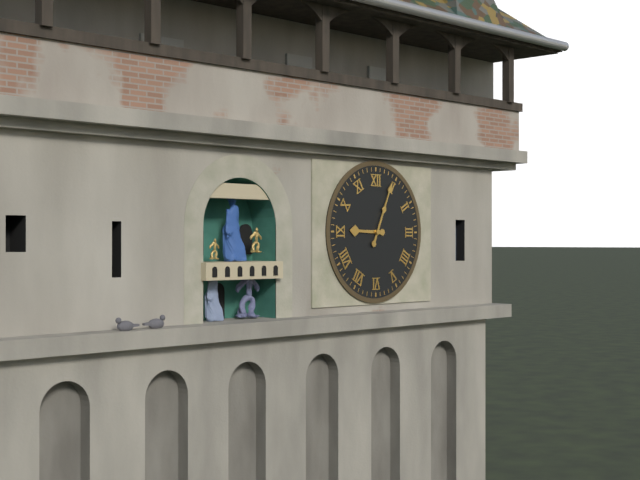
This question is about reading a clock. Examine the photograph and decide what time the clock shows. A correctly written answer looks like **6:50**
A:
**9:04**
